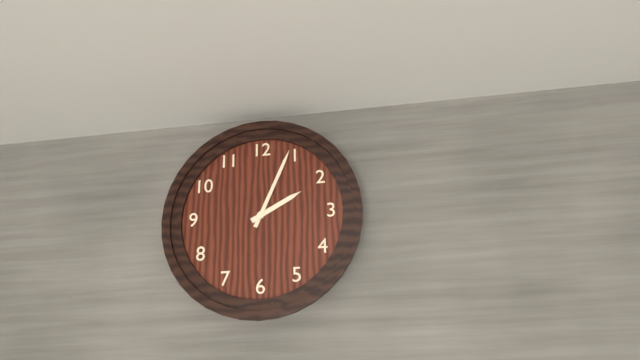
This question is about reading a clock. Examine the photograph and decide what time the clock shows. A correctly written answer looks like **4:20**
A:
**2:04**
